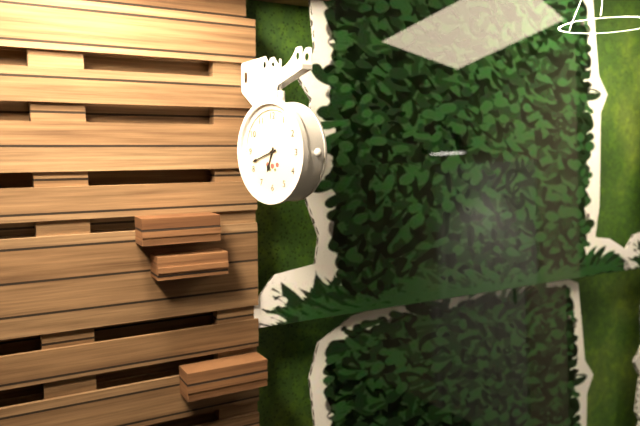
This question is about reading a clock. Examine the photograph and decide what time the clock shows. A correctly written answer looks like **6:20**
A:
**6:42**
